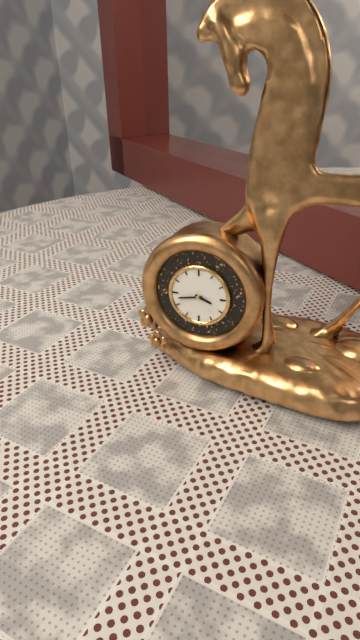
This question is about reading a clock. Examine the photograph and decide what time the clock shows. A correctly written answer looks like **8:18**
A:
**3:43**
